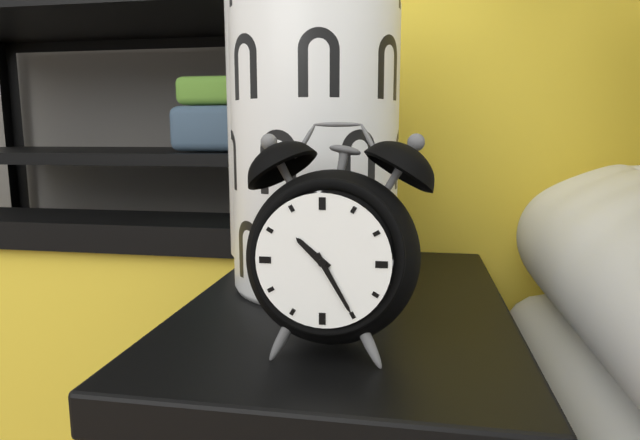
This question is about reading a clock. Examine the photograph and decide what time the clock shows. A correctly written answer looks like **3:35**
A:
**10:25**
